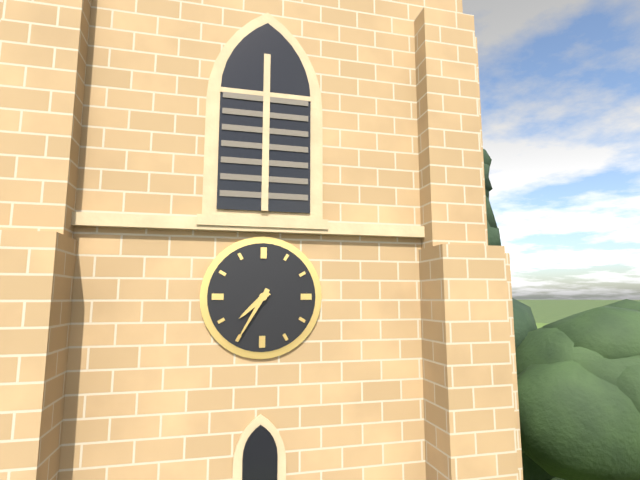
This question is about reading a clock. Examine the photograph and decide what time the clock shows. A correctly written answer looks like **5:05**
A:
**7:35**
